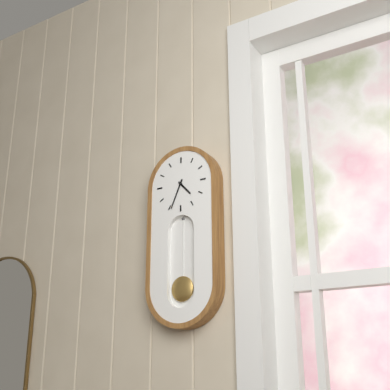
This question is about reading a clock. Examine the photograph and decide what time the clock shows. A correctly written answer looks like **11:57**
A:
**4:34**
